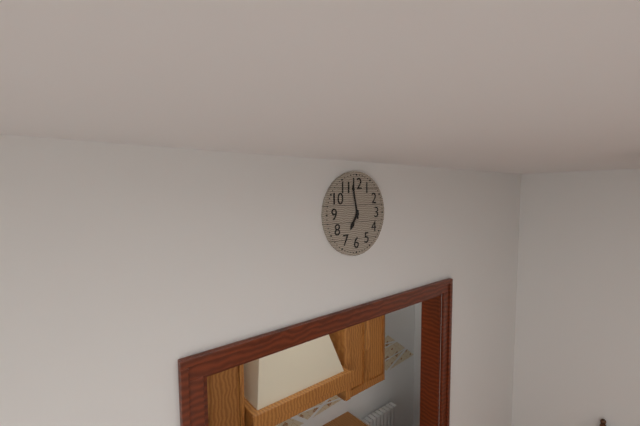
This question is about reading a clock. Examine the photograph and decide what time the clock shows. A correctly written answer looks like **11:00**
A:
**6:58**
